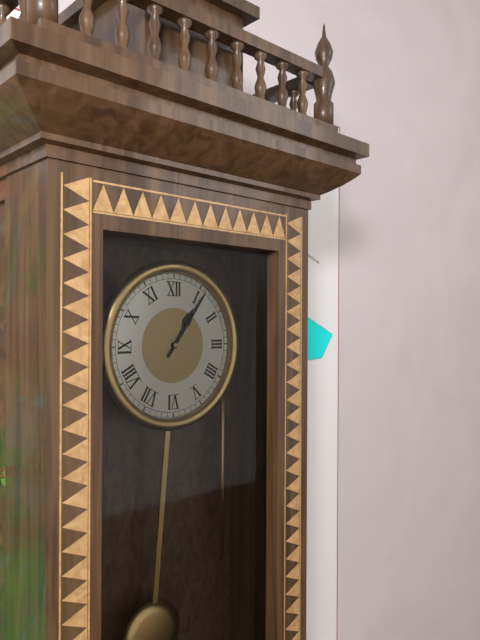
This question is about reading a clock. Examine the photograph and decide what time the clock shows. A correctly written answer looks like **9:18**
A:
**1:06**
